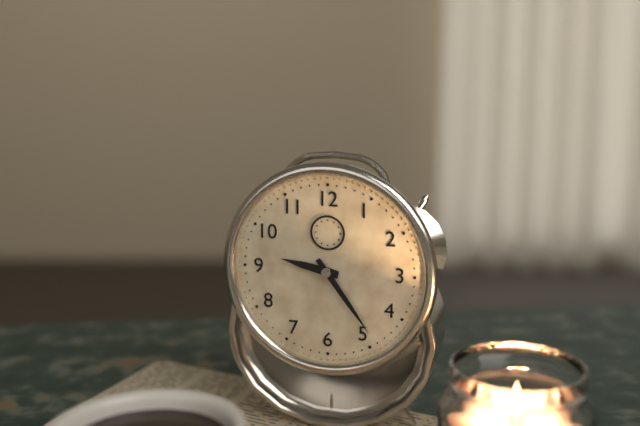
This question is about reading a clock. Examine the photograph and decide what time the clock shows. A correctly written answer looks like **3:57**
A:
**9:24**
